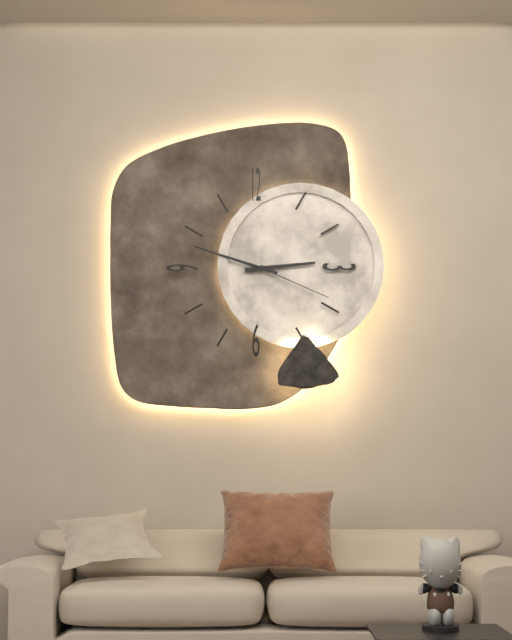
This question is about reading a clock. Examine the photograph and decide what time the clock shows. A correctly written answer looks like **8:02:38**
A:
**2:48:19**
